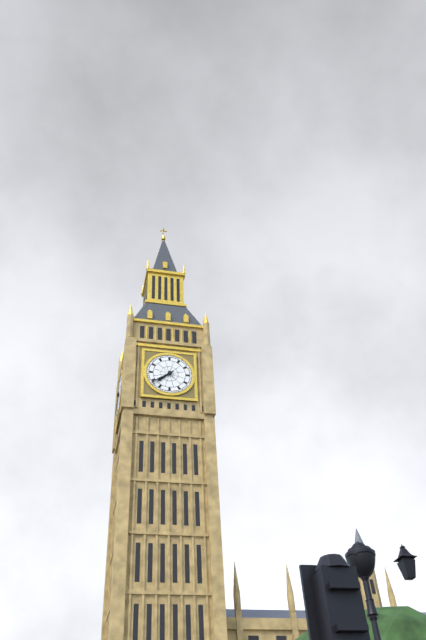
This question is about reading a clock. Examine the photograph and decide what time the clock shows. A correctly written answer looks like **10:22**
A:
**7:39**
